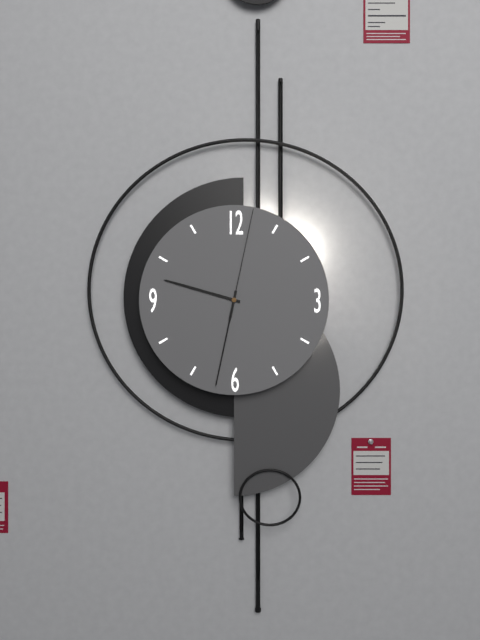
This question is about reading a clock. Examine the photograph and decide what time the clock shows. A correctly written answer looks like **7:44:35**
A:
**9:32:02**
